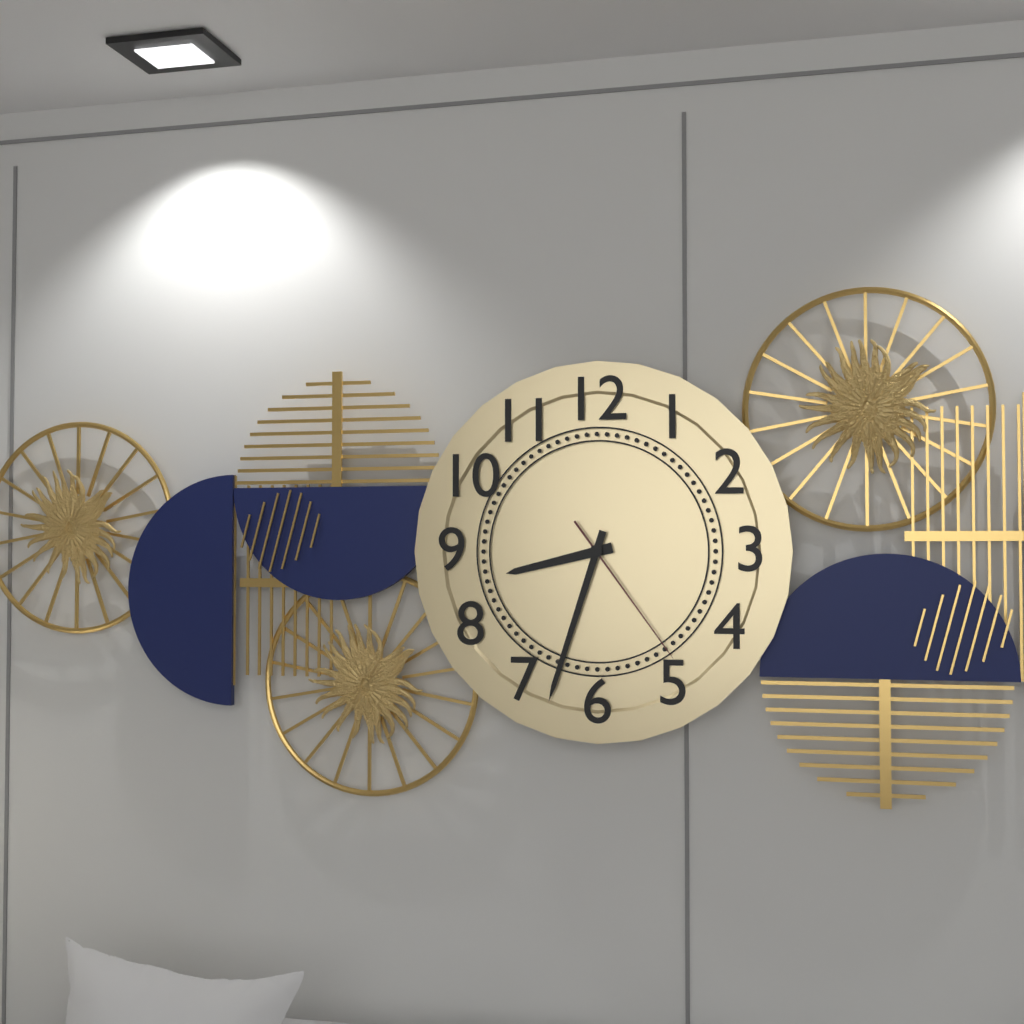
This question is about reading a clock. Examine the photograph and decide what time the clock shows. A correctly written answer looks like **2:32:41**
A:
**8:33:24**
